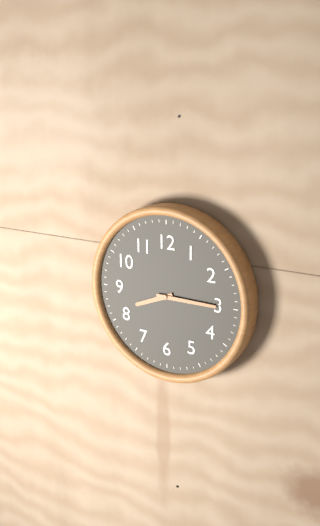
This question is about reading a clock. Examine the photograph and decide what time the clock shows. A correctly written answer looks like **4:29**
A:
**8:15**
